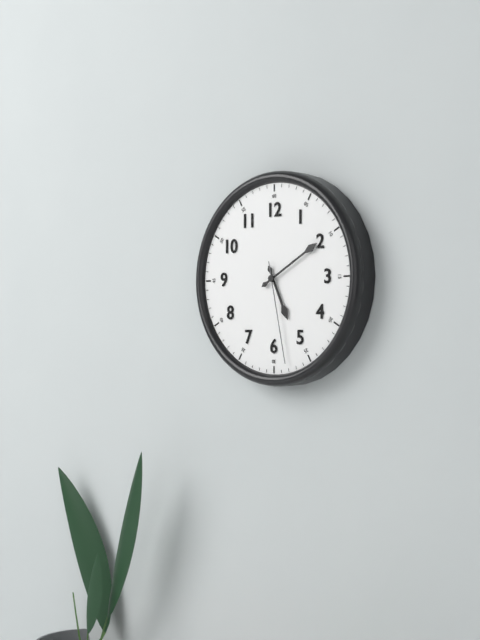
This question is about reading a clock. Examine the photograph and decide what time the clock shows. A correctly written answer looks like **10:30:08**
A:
**5:10:28**
